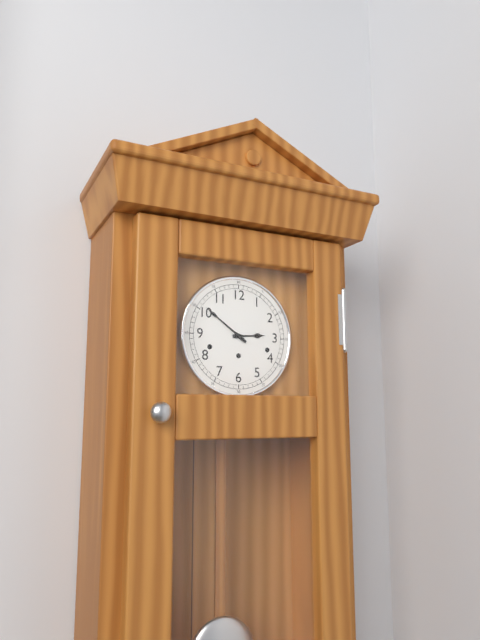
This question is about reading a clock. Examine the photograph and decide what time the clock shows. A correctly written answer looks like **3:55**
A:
**2:51**
